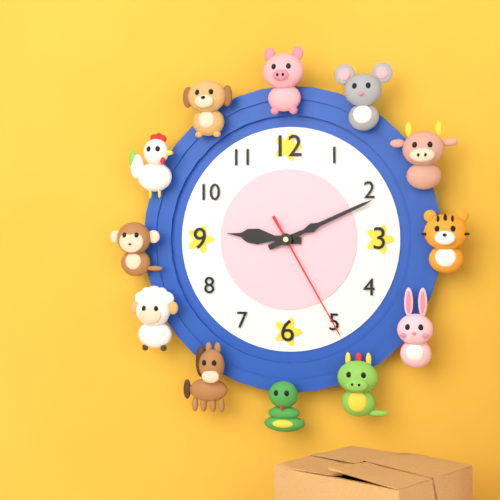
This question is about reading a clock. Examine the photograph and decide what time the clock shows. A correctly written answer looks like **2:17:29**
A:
**9:11:25**
